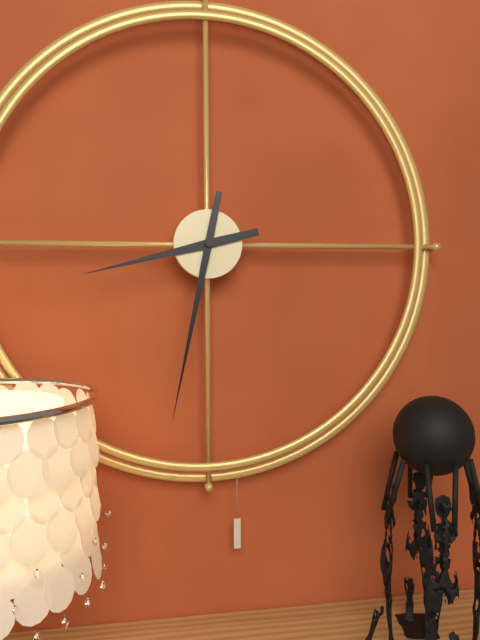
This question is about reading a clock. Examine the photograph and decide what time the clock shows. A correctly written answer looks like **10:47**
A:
**8:32**
